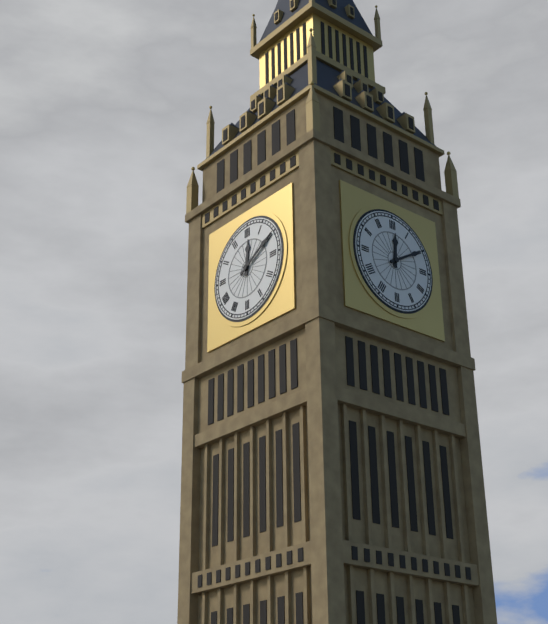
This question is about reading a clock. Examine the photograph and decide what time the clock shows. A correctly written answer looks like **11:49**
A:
**12:10**
